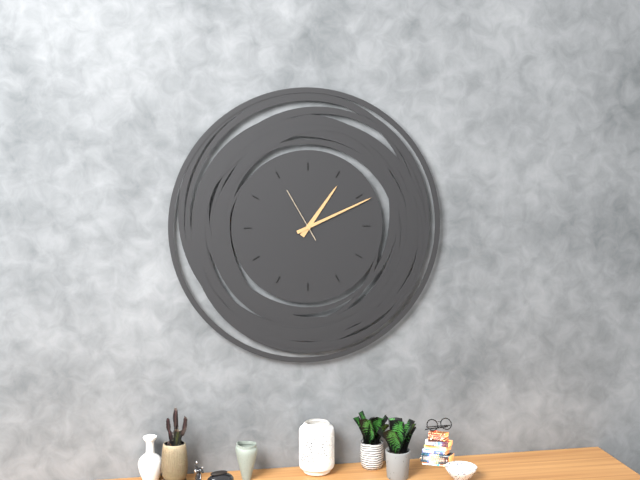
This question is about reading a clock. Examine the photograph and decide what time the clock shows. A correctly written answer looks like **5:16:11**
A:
**1:11:55**
